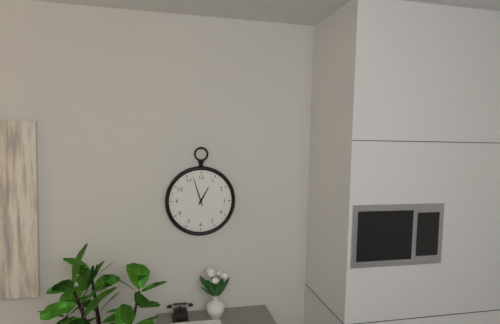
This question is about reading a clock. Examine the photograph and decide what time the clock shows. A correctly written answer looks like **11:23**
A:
**12:57**
